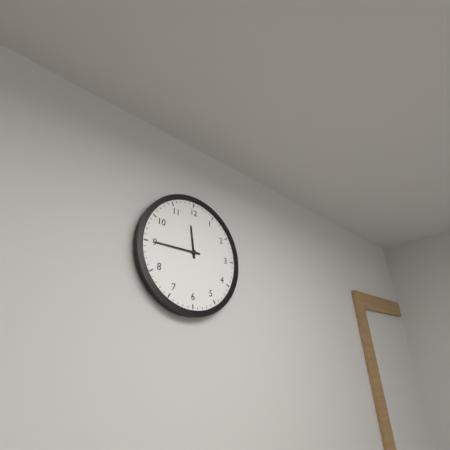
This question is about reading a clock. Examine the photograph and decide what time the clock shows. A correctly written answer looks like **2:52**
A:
**11:45**
